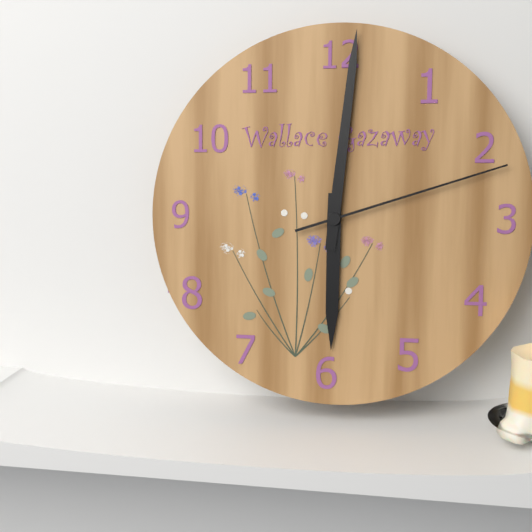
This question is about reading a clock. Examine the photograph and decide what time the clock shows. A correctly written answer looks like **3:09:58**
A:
**6:01:12**
